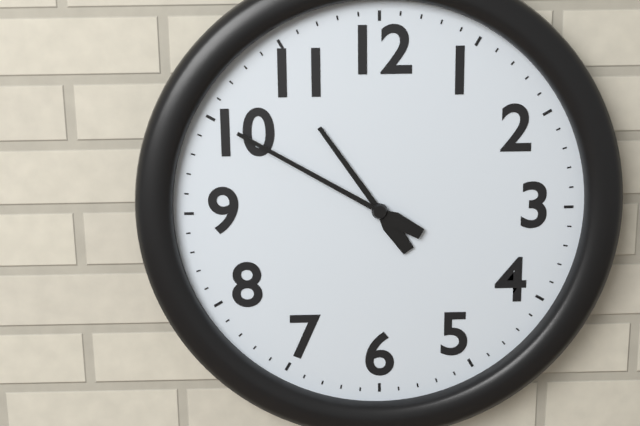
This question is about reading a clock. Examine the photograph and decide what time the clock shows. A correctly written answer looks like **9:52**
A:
**10:50**
